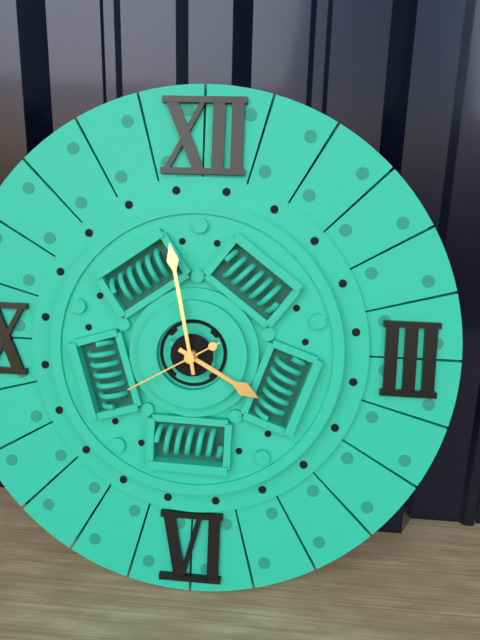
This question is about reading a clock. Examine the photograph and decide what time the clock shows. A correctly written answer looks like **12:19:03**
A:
**3:58:40**
